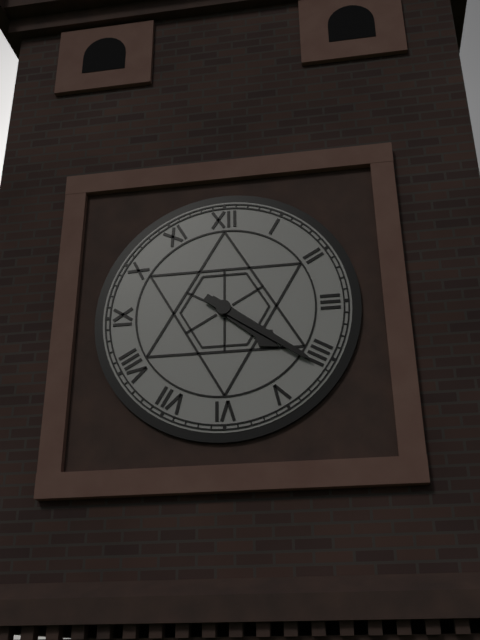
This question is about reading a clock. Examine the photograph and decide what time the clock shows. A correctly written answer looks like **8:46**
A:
**4:21**
